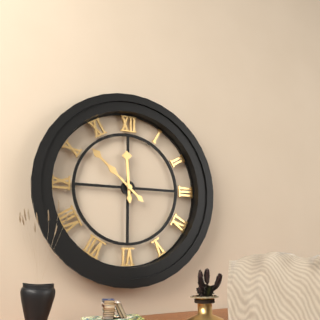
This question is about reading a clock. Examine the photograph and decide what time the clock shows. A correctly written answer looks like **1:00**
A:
**11:52**
